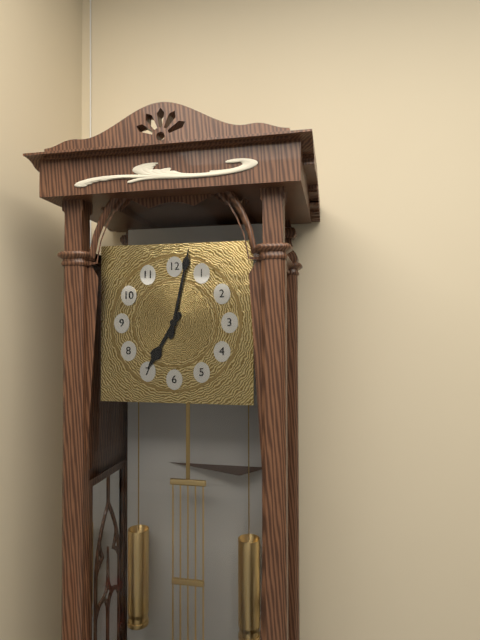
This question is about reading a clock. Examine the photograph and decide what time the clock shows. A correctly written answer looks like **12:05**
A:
**7:02**
